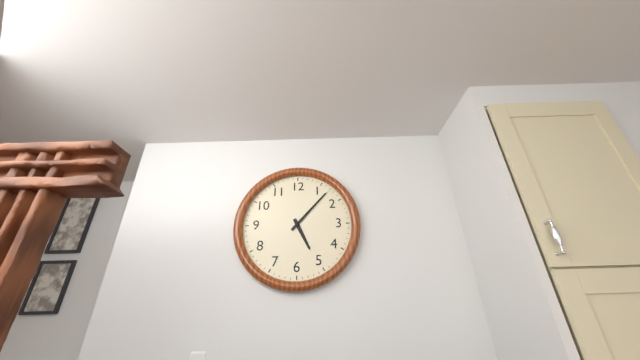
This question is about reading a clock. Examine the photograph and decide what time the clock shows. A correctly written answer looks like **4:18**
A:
**5:07**
